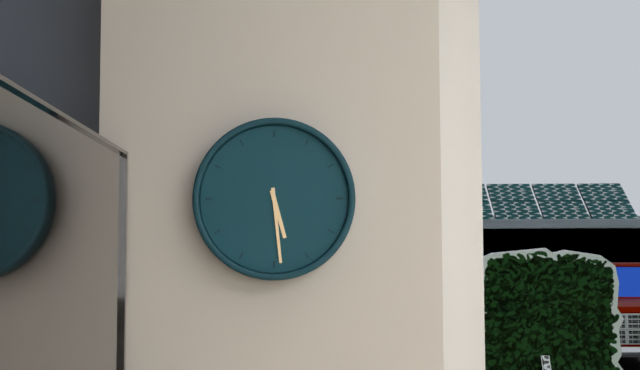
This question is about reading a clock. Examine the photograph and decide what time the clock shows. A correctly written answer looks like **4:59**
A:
**5:29**
